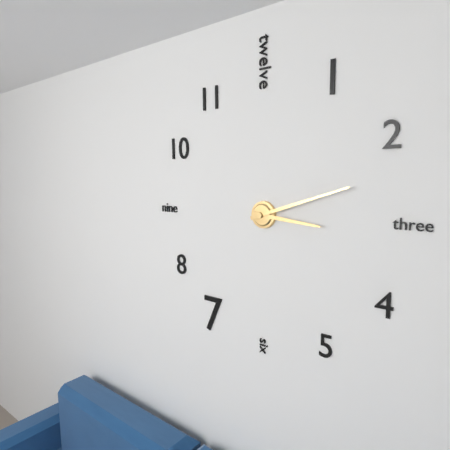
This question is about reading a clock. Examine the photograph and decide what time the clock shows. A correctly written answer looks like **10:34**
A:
**3:12**
